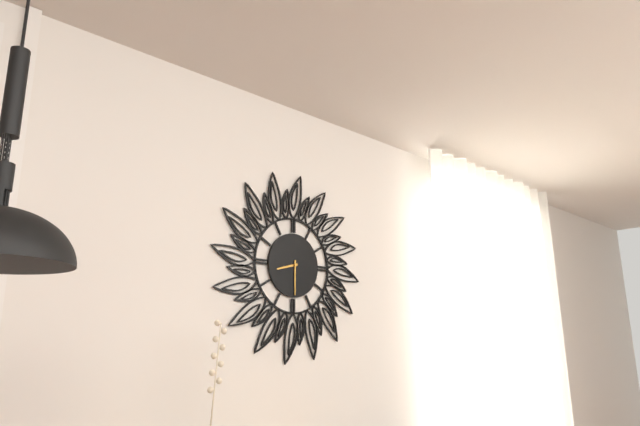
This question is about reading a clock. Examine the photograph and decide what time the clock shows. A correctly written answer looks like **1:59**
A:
**8:30**
